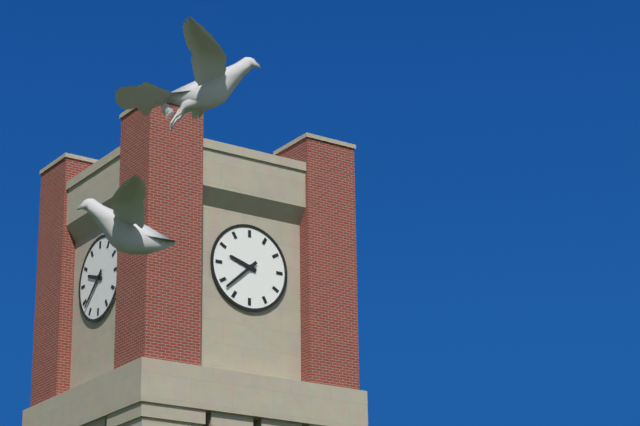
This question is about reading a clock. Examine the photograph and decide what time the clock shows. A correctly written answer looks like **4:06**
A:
**9:38**
